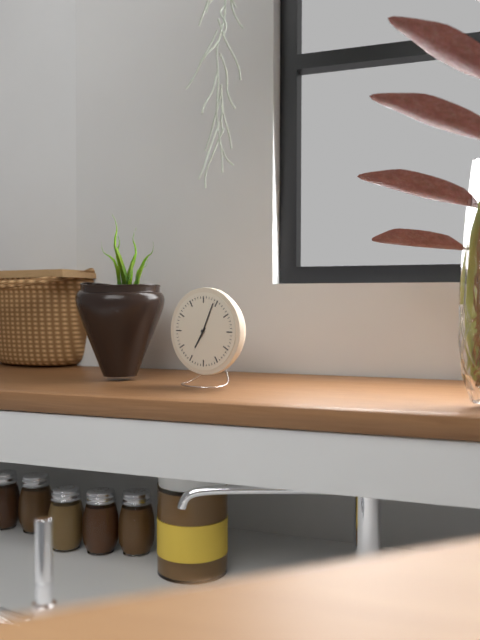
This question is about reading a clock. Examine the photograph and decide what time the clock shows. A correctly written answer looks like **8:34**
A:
**7:04**
